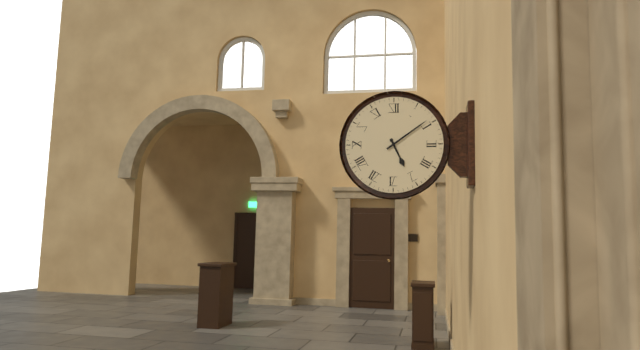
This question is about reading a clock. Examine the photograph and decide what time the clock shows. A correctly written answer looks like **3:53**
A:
**5:09**
